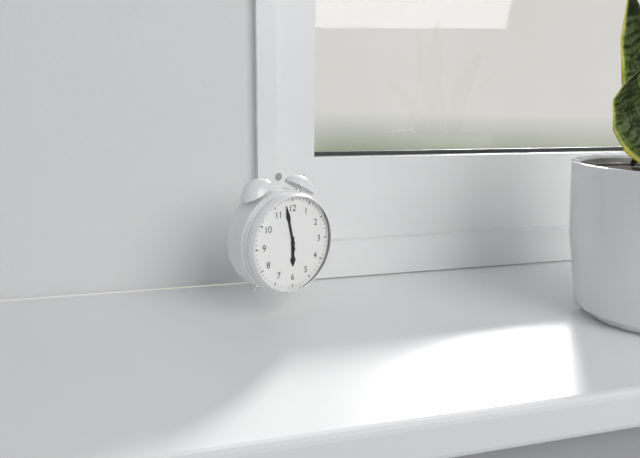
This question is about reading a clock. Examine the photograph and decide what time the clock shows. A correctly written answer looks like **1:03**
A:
**5:58**
